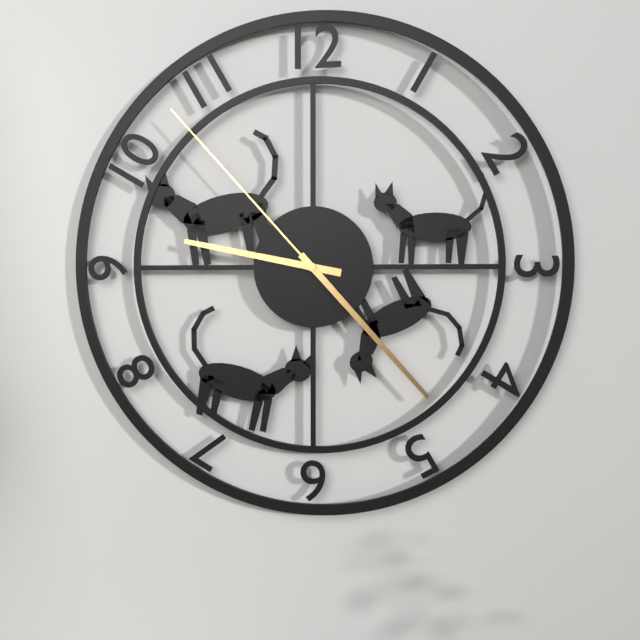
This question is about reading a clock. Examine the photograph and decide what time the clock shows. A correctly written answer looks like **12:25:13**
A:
**9:23:53**
